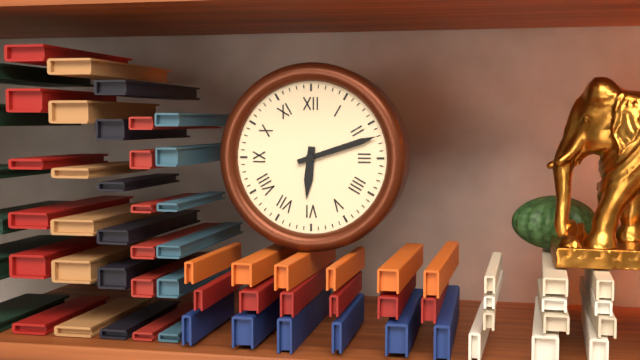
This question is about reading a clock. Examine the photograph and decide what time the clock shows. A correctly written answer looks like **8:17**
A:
**6:12**
